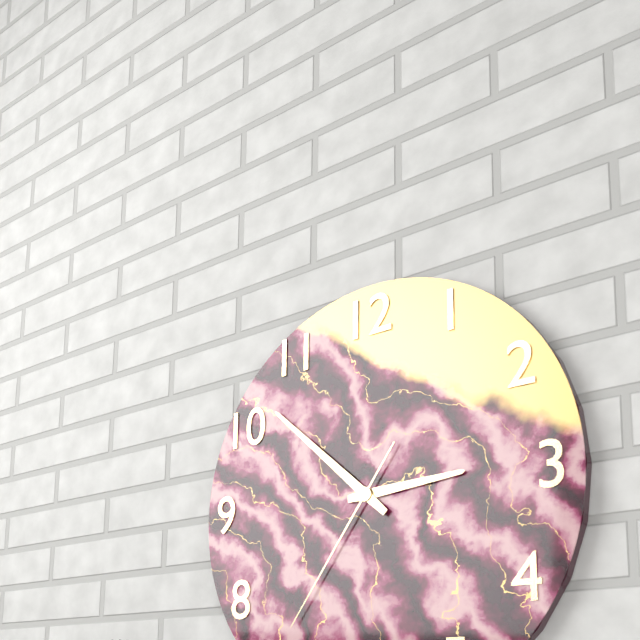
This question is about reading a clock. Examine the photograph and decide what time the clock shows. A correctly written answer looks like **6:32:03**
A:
**2:52:36**
